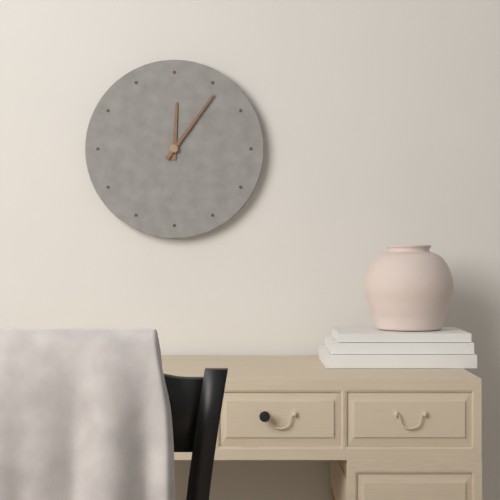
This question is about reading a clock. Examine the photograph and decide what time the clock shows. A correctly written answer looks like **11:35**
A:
**12:06**
